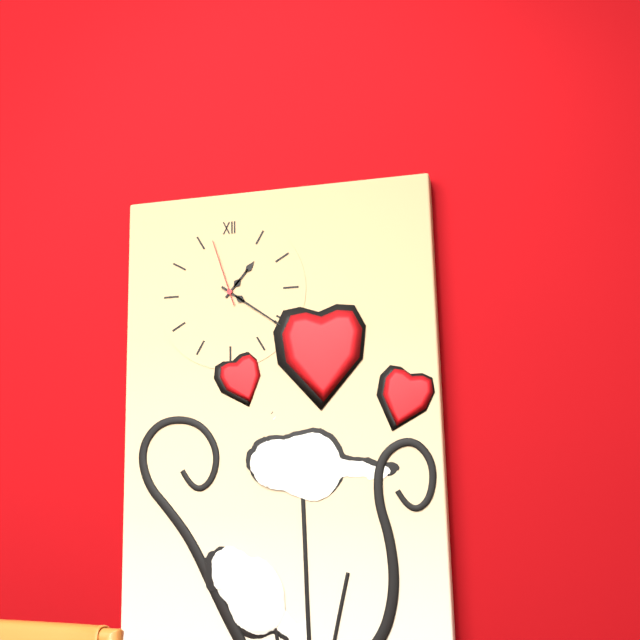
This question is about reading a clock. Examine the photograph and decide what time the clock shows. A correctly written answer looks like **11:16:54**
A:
**1:21:57**
